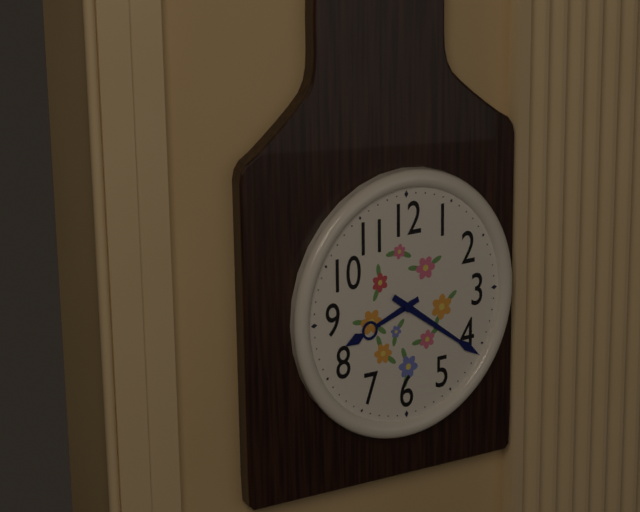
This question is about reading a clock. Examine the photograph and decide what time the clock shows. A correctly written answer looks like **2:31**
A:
**8:21**
